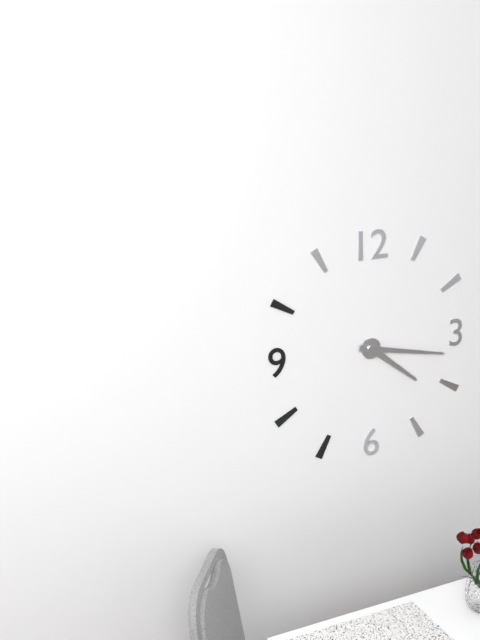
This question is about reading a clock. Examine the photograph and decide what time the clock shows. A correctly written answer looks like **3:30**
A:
**4:17**
